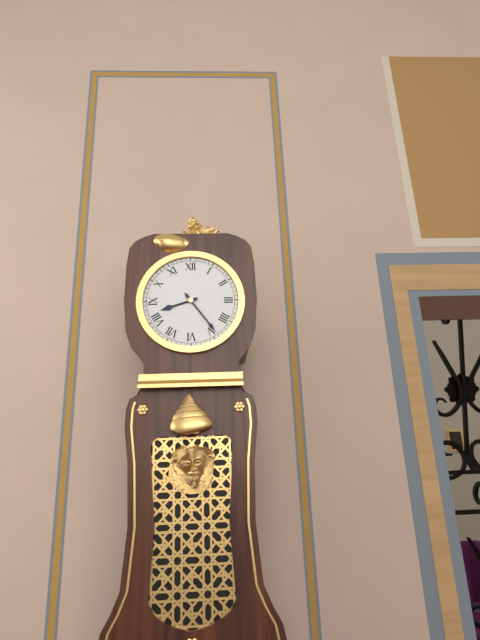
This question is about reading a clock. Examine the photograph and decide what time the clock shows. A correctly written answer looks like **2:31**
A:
**8:24**
